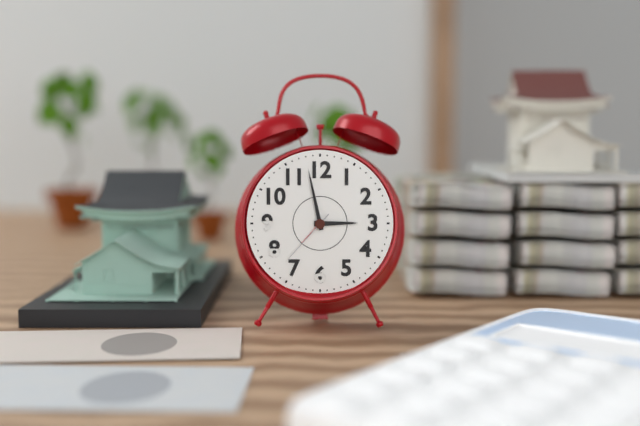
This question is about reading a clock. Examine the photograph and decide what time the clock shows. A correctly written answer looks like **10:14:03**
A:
**2:58:37**
